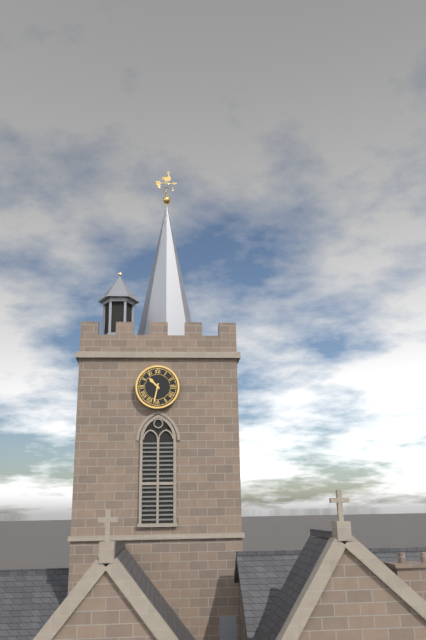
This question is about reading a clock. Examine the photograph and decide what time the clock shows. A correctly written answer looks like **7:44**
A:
**10:32**
